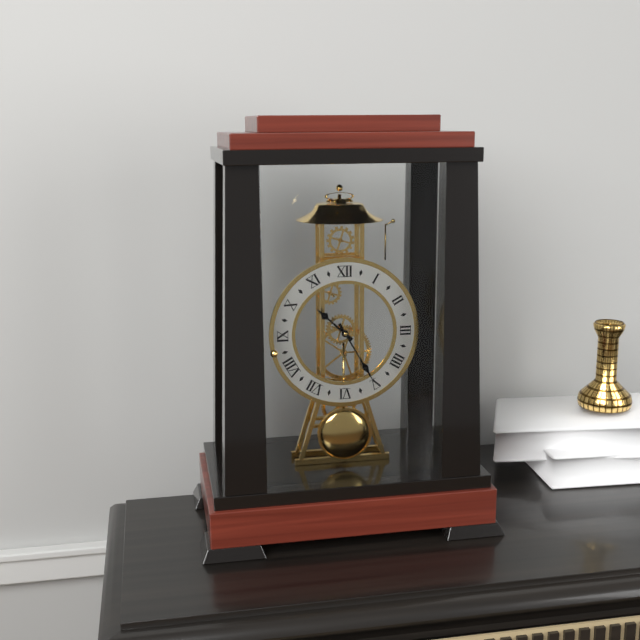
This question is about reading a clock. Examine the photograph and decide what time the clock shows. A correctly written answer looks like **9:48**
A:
**10:25**
